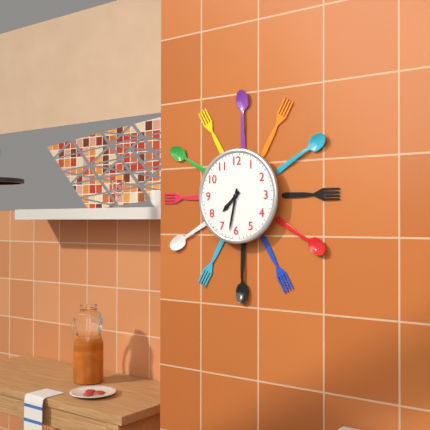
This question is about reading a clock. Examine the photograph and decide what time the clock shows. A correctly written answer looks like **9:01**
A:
**7:32**
